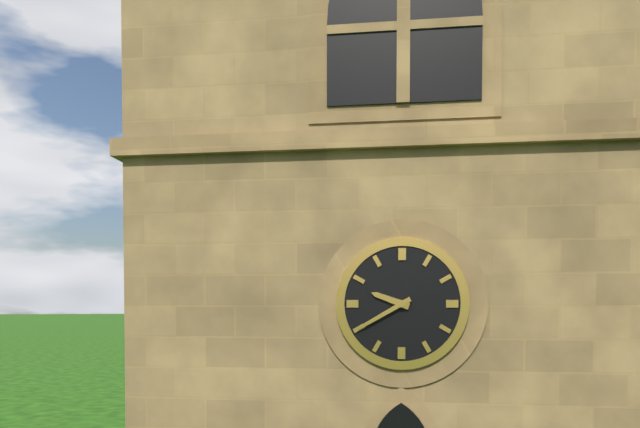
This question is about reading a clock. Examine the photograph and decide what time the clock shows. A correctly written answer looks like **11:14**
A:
**9:40**
